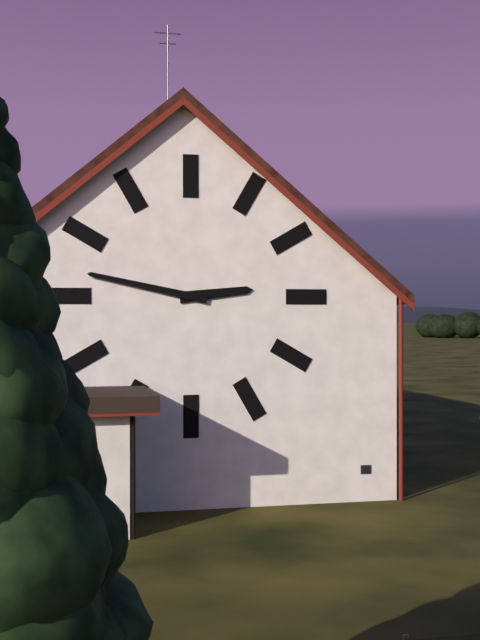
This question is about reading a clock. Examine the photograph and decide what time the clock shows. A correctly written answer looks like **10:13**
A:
**2:47**
